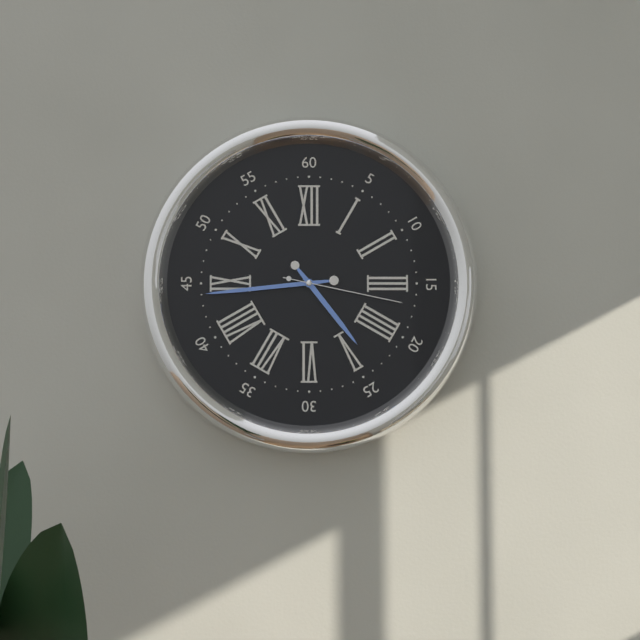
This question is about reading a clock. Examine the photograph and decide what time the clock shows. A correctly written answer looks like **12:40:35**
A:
**4:44:17**
